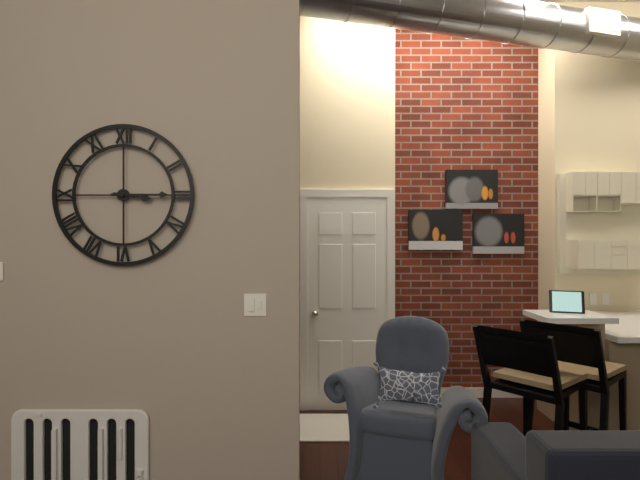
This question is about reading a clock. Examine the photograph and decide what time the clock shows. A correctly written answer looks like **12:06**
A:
**3:15**
